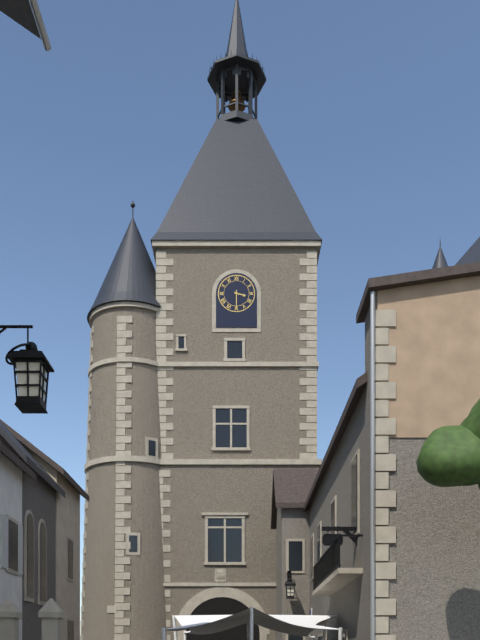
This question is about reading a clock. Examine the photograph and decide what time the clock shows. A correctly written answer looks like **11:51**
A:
**3:30**
